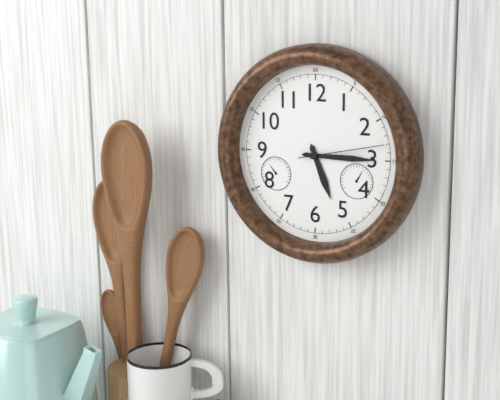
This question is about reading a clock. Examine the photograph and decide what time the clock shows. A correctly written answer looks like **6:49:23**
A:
**5:15:13**
